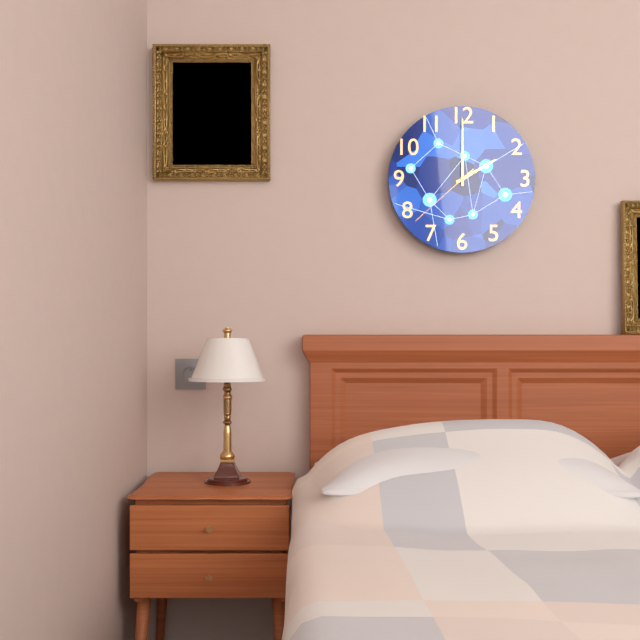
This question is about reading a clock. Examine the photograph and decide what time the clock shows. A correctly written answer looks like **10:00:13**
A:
**2:00:38**
